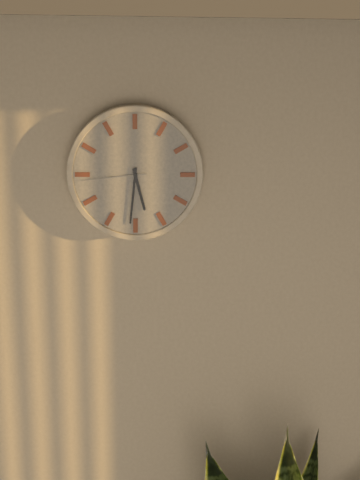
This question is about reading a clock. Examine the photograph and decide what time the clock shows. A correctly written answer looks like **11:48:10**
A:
**5:31:44**
